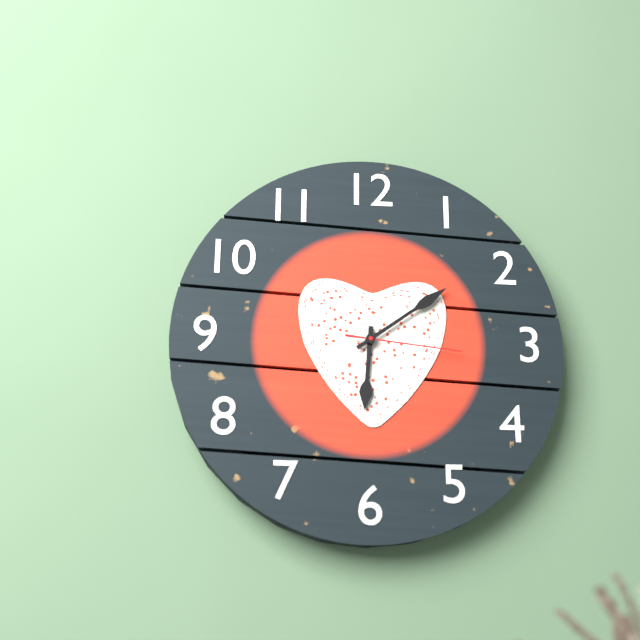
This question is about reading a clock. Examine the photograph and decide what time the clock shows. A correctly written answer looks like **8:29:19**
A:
**6:09:16**
